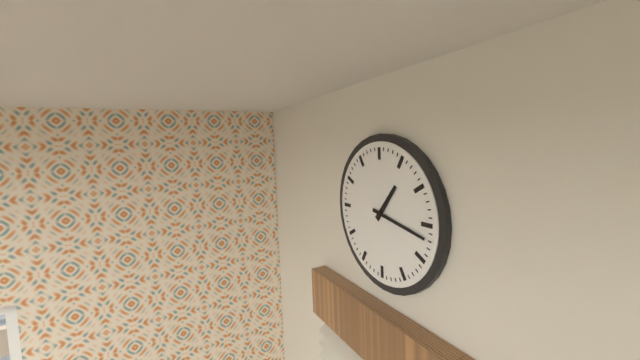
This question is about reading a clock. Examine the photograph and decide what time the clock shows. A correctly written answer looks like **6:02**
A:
**1:17**
